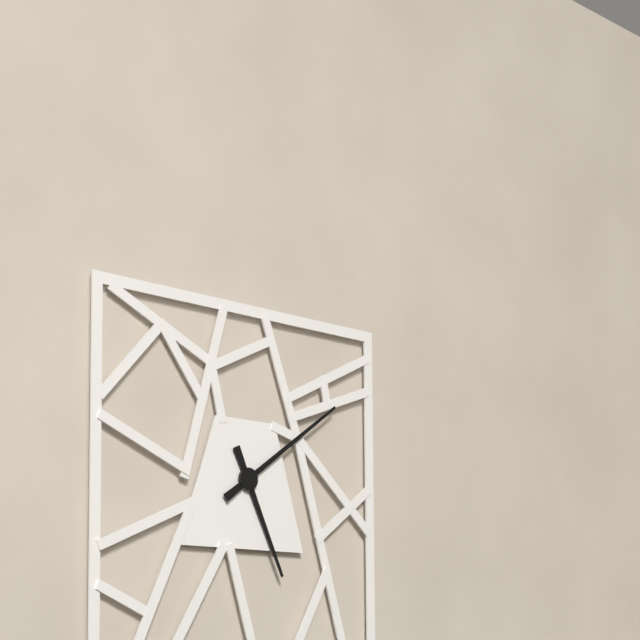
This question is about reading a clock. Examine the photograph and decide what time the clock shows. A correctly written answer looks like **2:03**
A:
**5:09**
